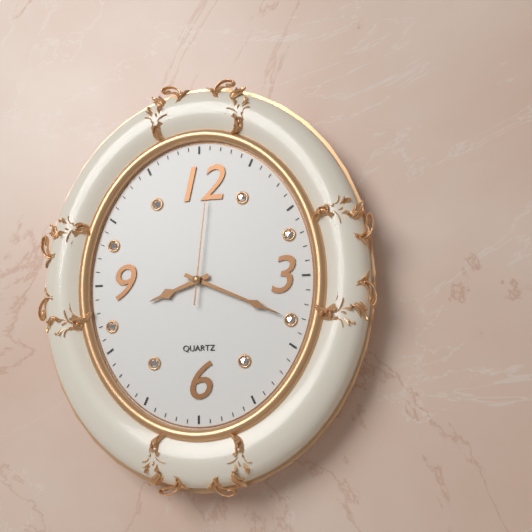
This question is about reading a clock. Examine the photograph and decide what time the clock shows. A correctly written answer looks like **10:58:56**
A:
**8:19:01**
